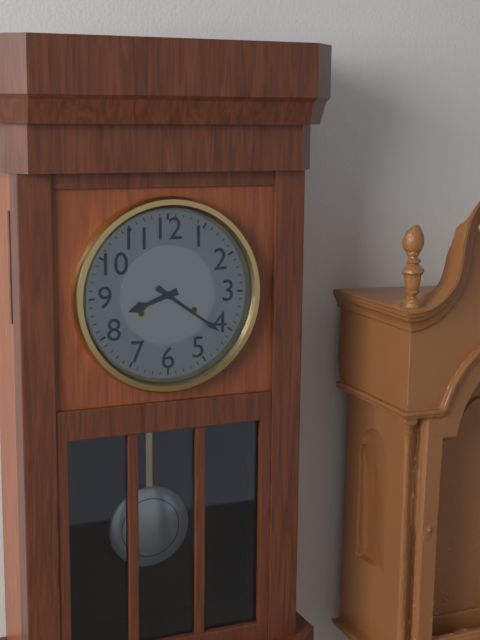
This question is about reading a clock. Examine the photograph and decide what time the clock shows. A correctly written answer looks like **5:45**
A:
**8:21**
